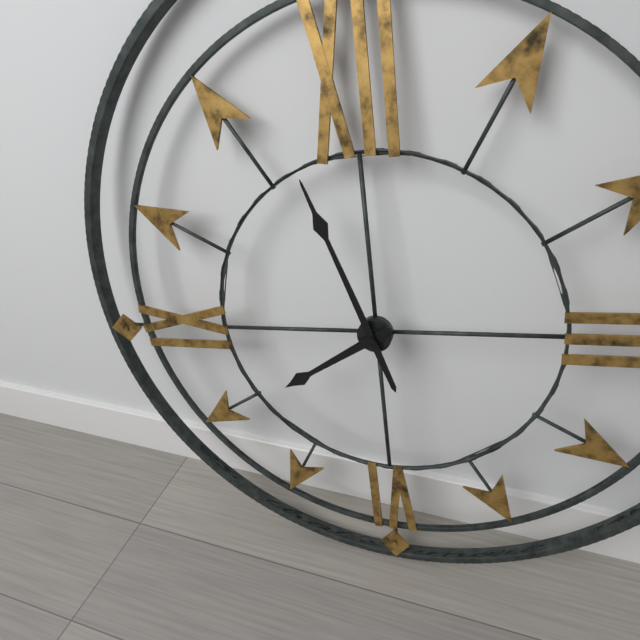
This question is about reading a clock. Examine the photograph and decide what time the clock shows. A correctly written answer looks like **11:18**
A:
**7:57**
